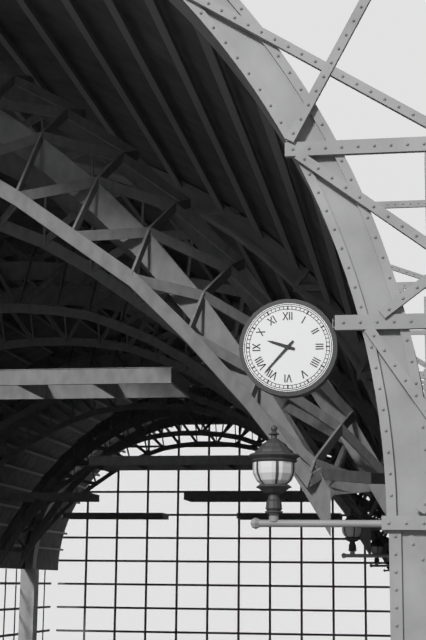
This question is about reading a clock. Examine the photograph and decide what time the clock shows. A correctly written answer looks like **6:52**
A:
**9:37**
